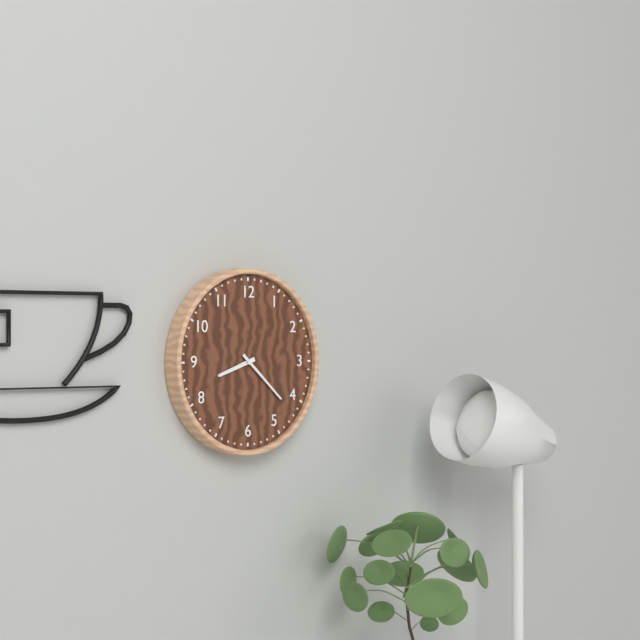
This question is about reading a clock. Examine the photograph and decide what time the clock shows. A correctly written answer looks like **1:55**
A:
**8:22**
